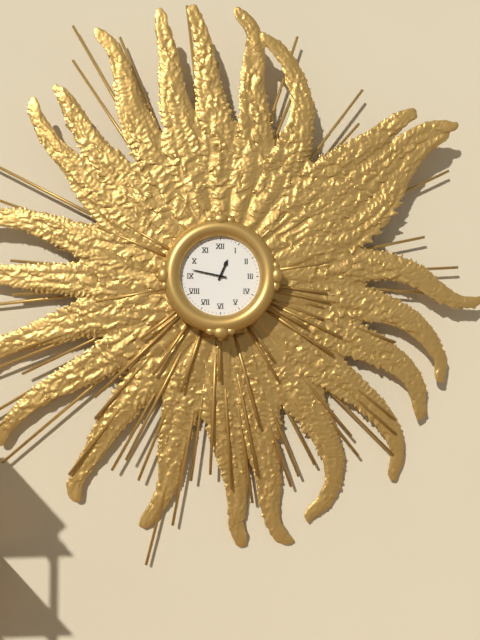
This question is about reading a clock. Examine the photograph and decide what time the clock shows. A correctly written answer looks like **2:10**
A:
**12:47**
